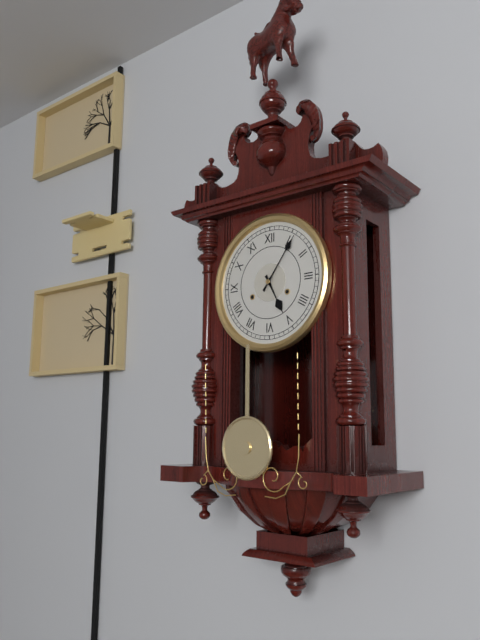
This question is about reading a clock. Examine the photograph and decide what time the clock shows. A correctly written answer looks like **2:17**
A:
**5:06**
